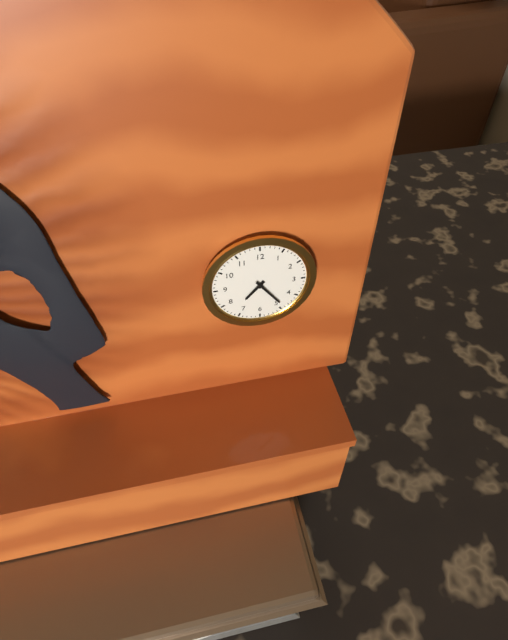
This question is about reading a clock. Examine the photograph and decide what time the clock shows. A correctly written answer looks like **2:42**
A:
**7:24**
